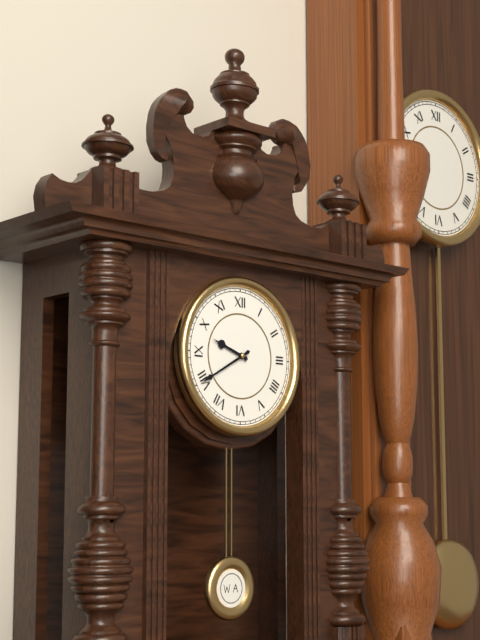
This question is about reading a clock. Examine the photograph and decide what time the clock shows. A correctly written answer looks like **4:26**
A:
**9:40**
